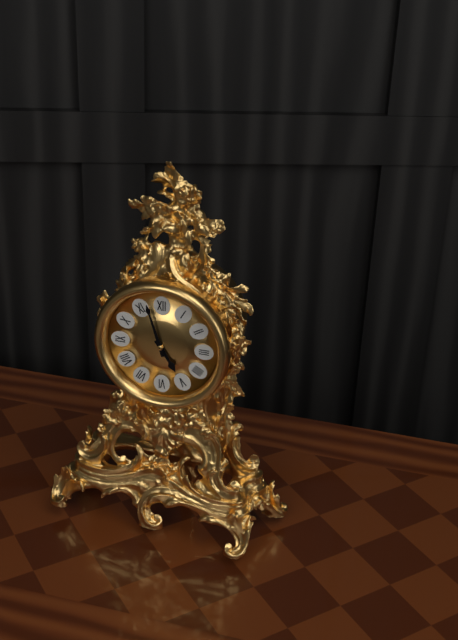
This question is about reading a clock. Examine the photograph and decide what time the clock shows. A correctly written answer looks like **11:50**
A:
**4:57**
